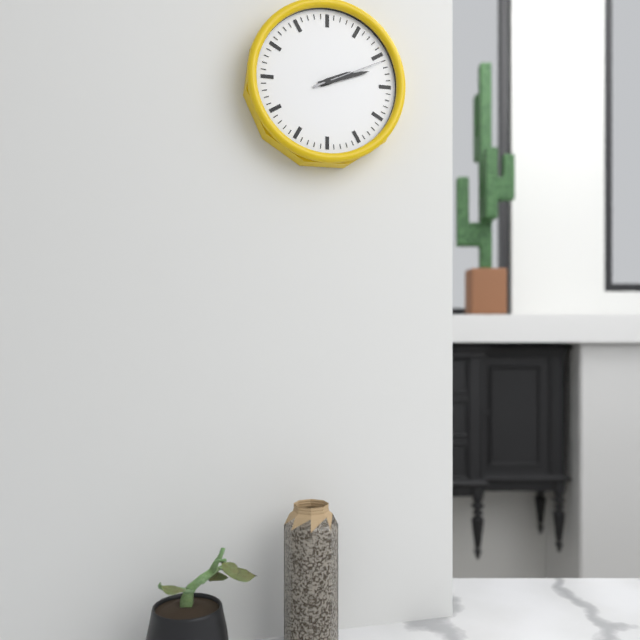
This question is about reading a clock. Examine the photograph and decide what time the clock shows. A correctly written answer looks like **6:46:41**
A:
**2:12:11**
